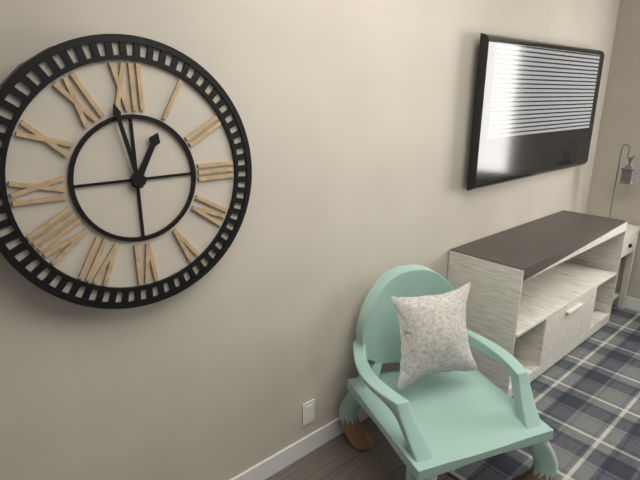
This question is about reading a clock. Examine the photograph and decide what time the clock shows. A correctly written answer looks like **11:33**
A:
**12:58**
